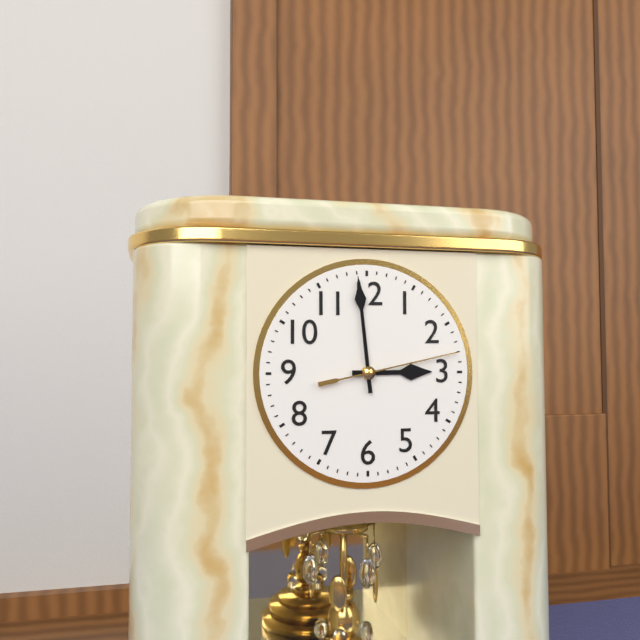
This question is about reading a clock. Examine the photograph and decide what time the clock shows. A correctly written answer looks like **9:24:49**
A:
**2:59:13**
